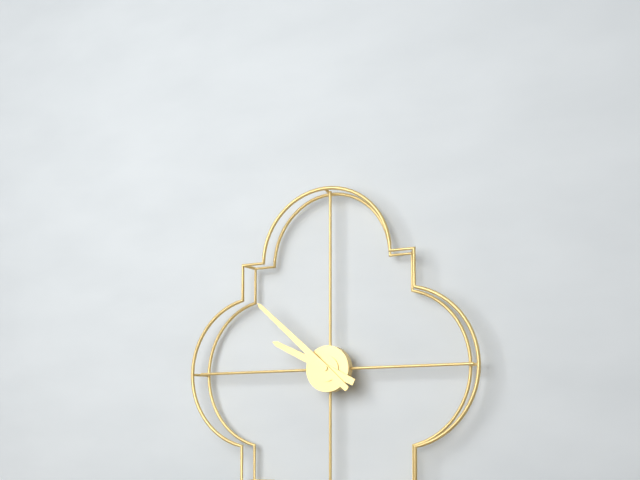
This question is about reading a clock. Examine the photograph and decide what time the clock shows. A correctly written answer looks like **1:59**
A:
**9:52**
